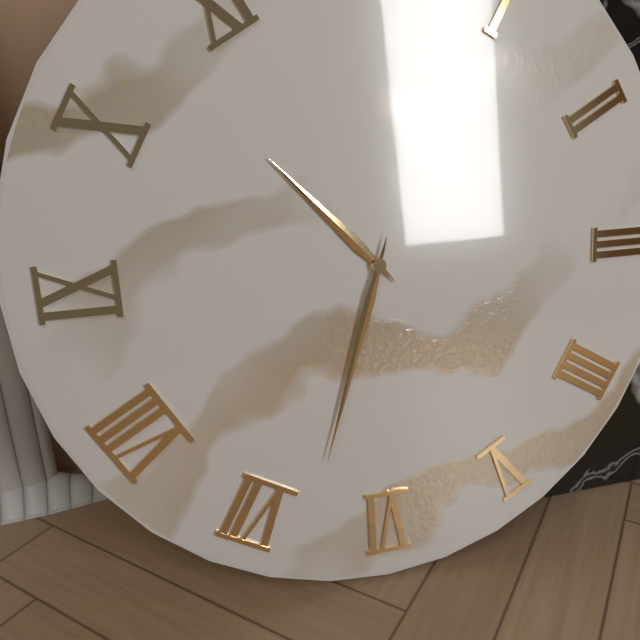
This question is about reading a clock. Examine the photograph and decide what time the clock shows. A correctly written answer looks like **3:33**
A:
**10:33**
